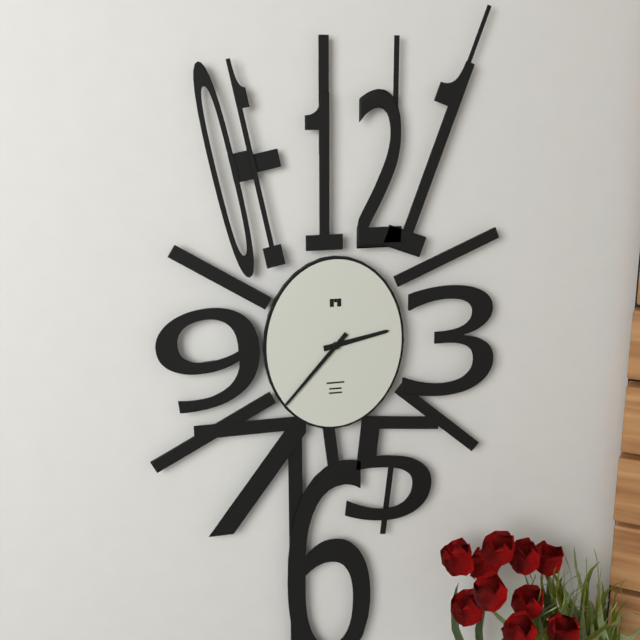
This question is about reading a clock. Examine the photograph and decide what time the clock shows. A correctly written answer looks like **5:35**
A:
**2:37**
